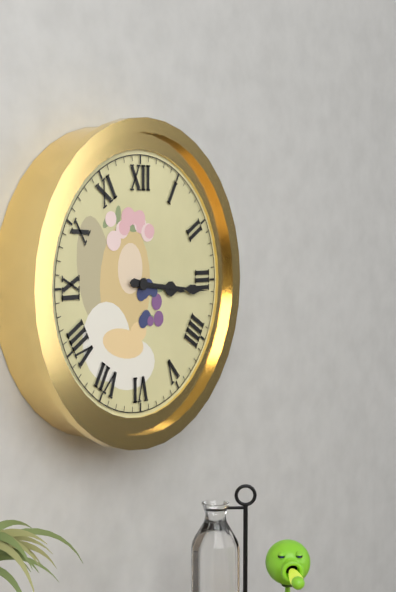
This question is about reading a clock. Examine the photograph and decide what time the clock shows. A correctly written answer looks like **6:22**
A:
**3:16**
